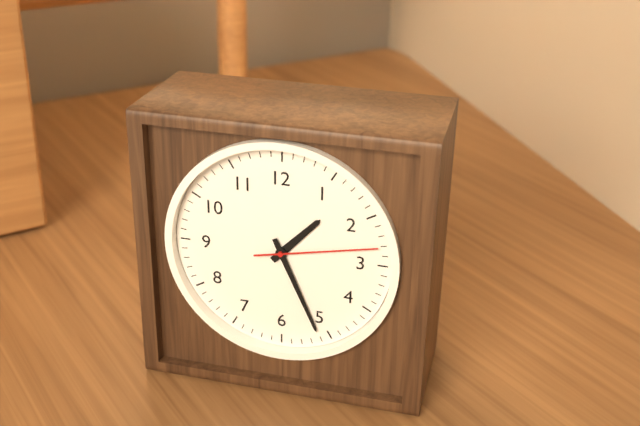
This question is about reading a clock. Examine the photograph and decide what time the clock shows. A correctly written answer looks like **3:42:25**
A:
**1:26:13**
